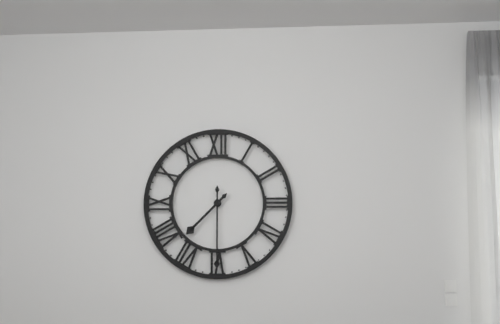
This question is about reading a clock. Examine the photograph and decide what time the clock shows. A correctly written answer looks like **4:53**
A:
**7:30**
